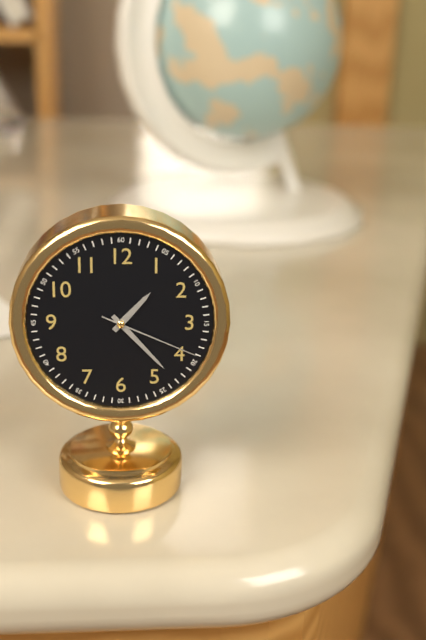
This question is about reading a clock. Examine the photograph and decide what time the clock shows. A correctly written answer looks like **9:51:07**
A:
**1:23:19**
